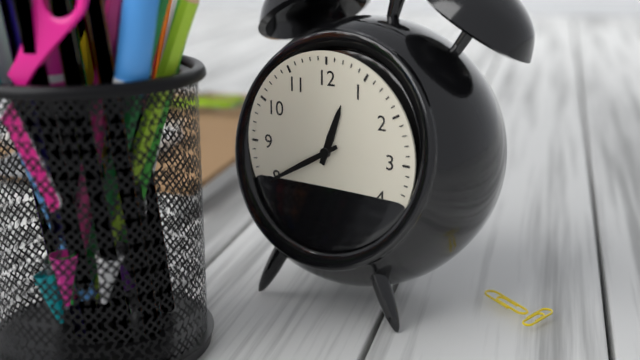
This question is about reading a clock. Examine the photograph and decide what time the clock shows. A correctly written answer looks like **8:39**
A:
**12:40**
